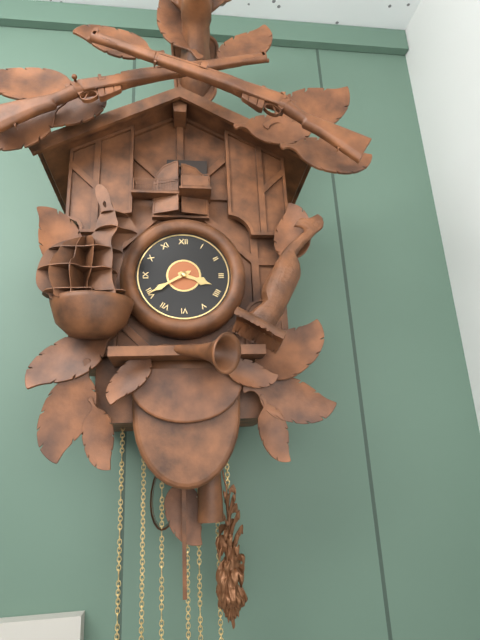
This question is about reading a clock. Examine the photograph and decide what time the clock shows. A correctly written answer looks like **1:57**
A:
**3:40**
